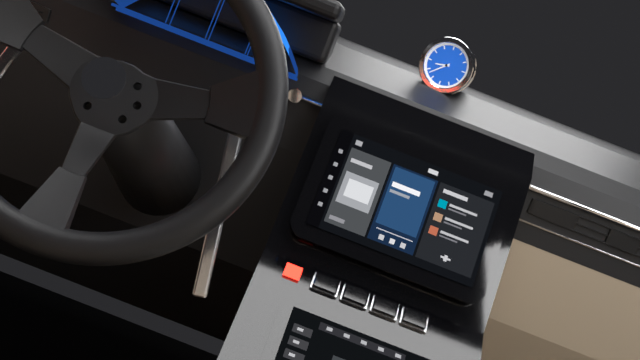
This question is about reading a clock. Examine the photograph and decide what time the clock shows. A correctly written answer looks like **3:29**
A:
**8:38**
